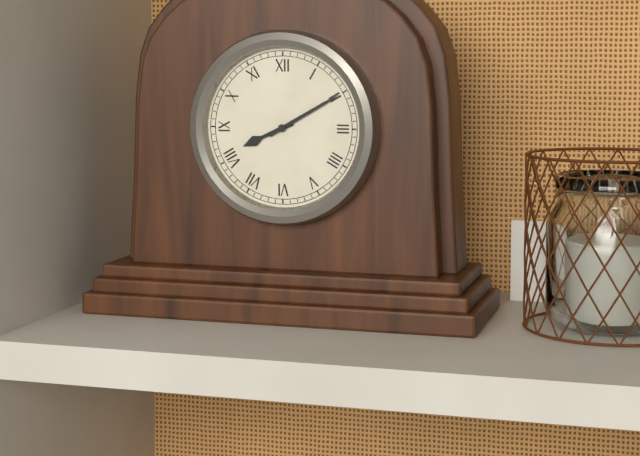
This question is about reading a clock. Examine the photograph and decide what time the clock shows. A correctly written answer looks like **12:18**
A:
**8:10**
